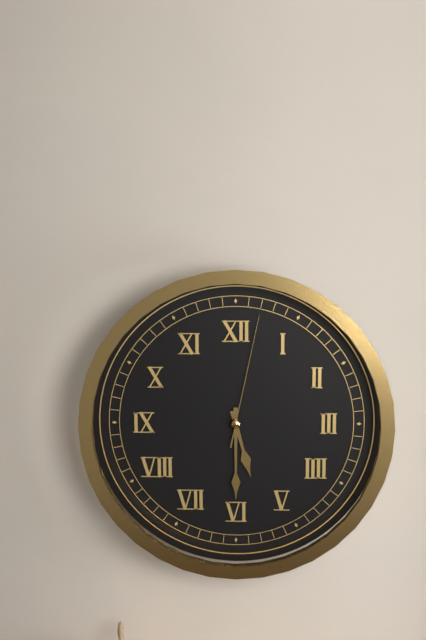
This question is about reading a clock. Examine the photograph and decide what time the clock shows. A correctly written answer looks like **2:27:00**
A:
**5:30:02**
